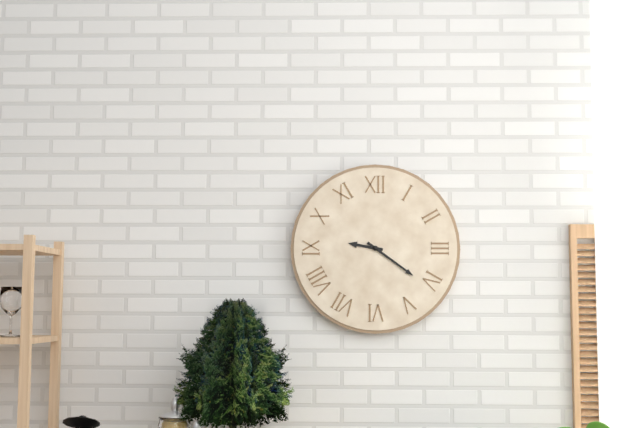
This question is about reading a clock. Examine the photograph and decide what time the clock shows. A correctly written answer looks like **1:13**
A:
**9:21**
